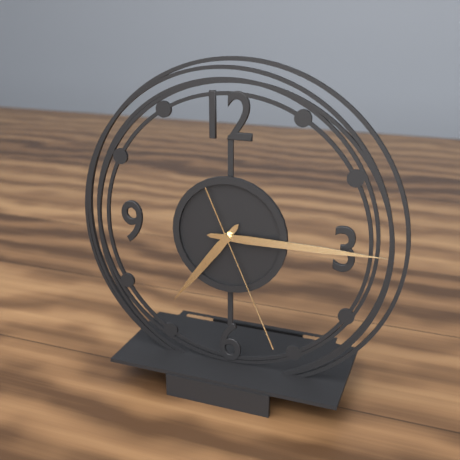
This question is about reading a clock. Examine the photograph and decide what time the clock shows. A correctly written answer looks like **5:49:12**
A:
**7:15:26**
